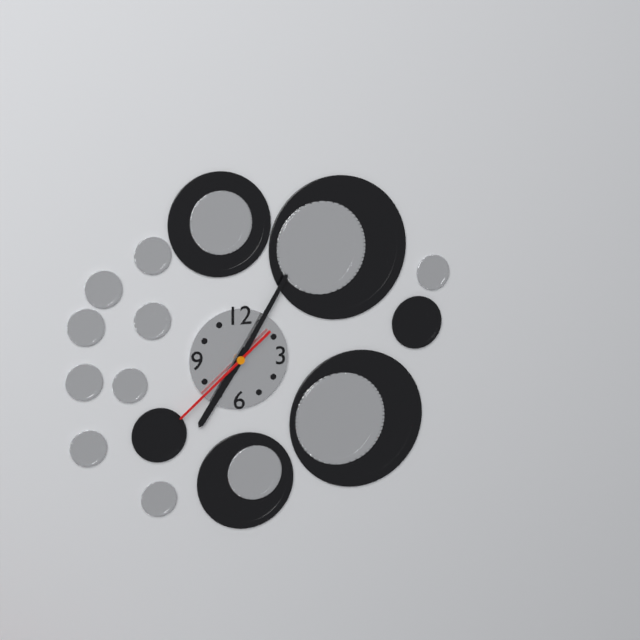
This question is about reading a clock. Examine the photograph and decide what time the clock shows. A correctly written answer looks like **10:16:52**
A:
**7:05:38**
